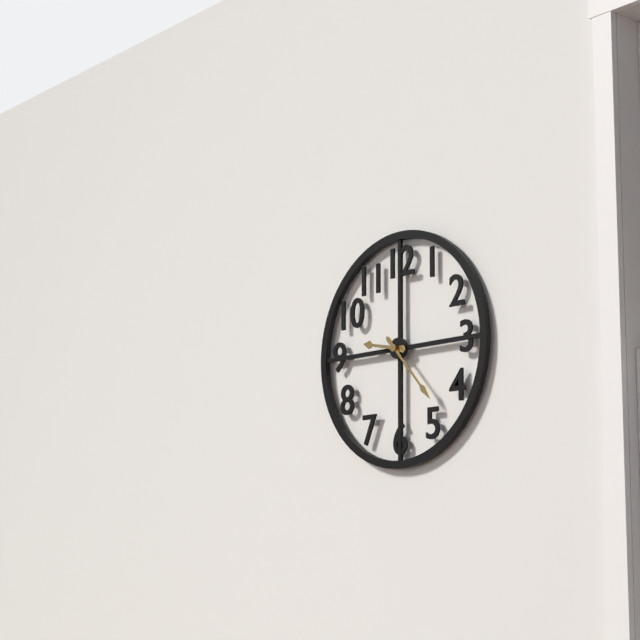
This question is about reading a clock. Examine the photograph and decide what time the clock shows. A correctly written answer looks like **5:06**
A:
**9:23**
